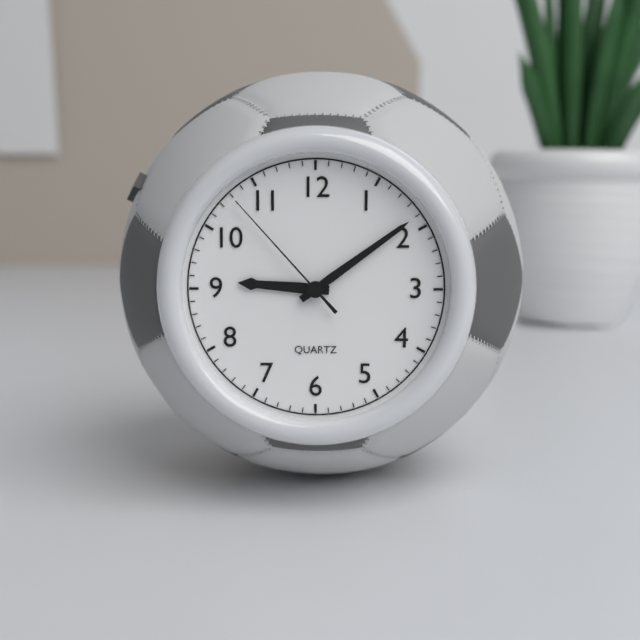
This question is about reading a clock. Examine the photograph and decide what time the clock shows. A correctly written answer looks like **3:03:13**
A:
**9:09:53**
